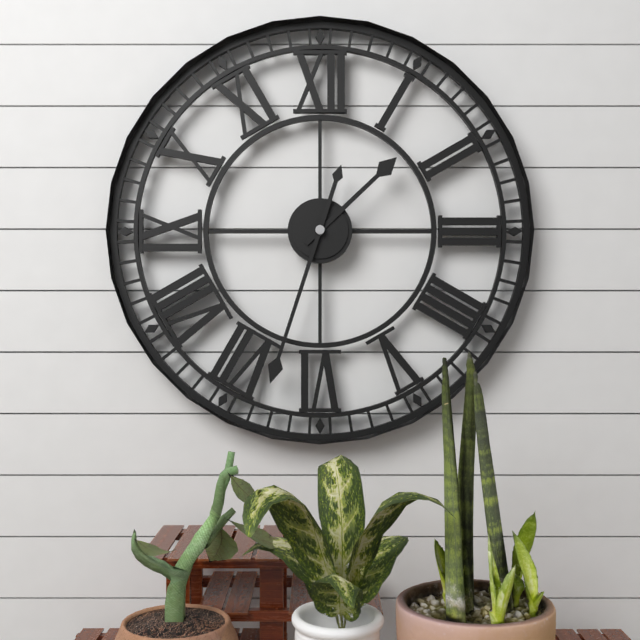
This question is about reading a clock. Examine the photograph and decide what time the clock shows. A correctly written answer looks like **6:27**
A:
**1:33**
